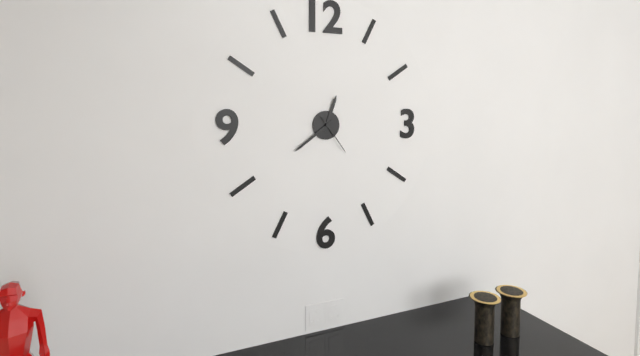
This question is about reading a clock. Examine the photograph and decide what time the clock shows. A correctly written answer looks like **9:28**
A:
**12:39**
